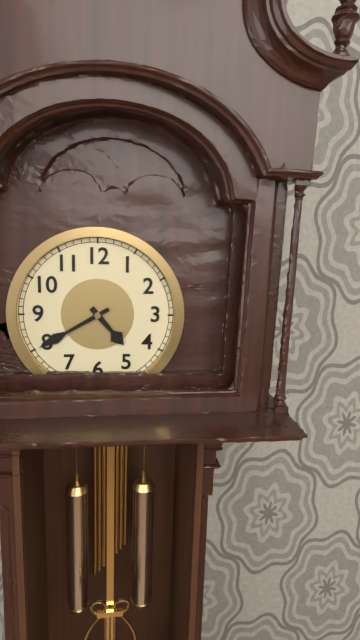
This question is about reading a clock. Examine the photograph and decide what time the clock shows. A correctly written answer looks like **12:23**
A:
**4:40**
